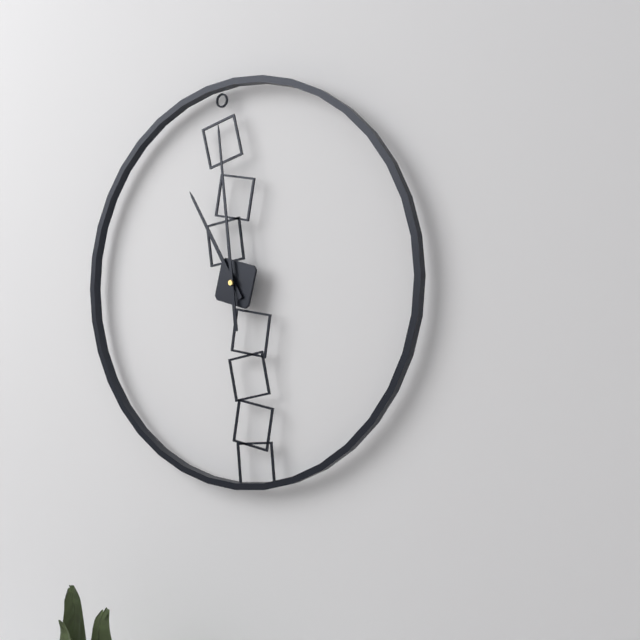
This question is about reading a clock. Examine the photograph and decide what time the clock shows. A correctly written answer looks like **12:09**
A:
**10:59**
